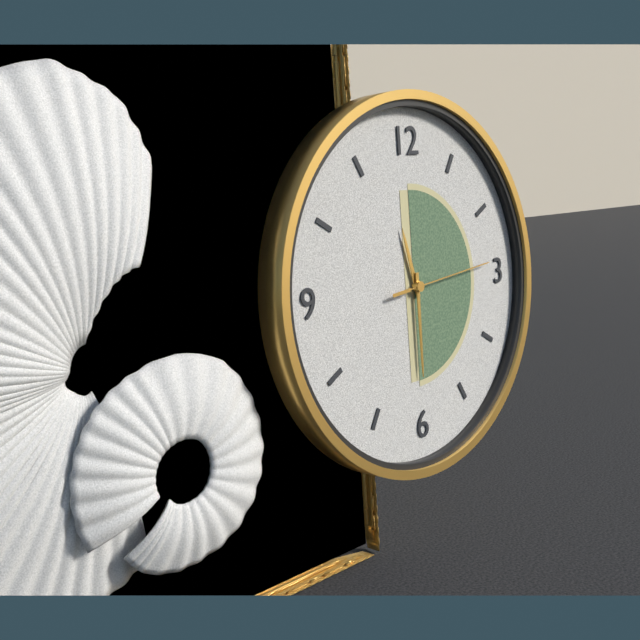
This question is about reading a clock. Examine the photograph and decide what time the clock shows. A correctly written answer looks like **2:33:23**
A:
**11:30:14**
